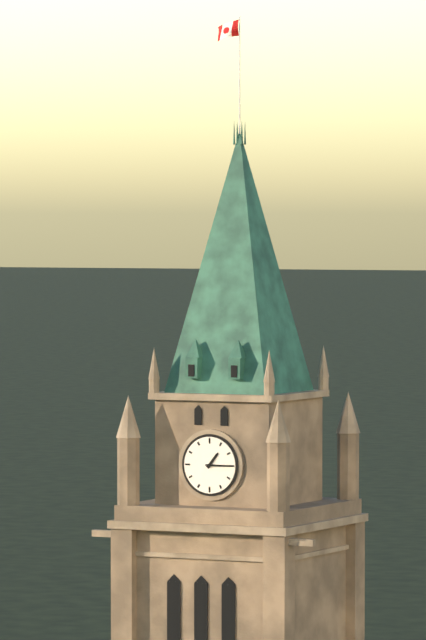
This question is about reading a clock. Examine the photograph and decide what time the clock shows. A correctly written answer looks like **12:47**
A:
**1:15**
